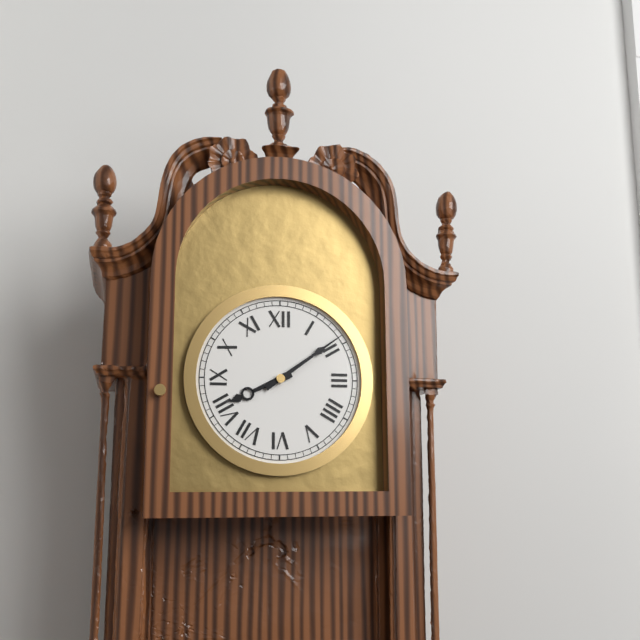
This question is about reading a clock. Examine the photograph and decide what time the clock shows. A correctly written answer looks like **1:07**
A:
**8:09**
